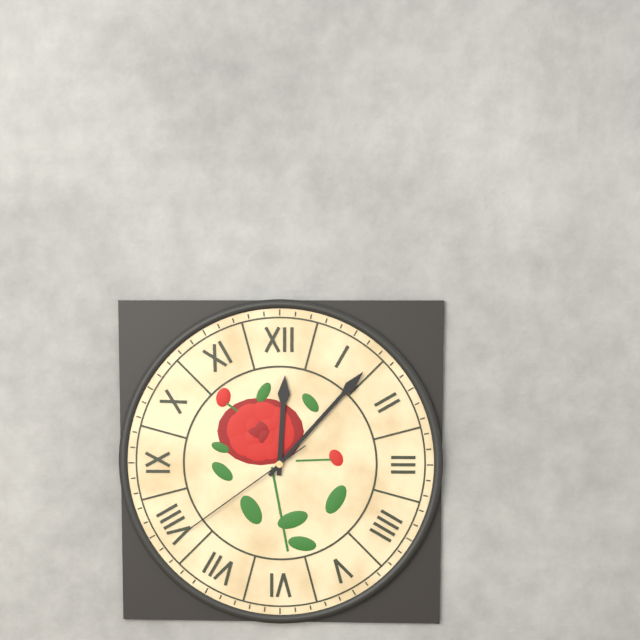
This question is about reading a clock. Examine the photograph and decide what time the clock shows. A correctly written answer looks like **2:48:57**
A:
**12:07:39**
